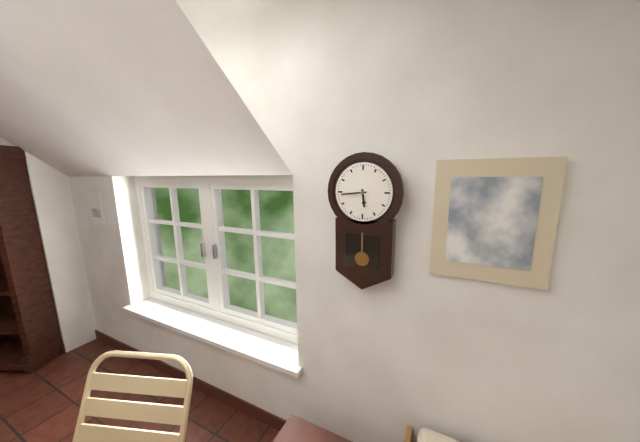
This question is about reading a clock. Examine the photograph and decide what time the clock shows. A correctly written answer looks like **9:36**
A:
**5:44**
